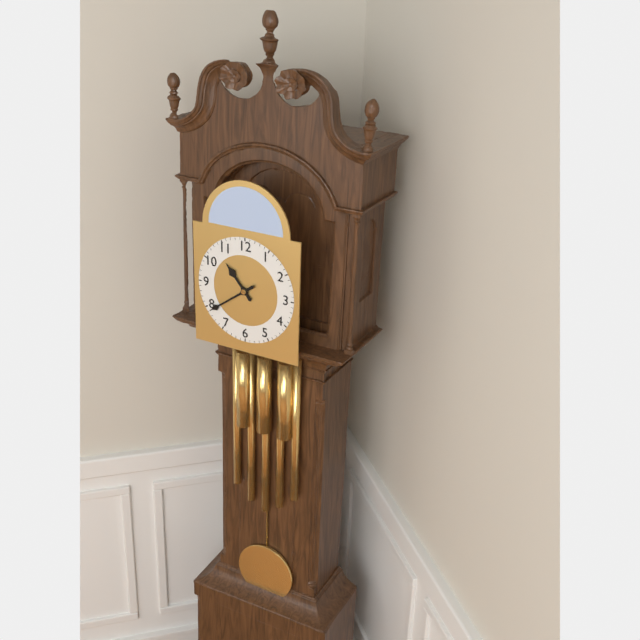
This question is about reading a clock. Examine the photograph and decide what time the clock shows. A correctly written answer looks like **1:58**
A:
**10:39**
